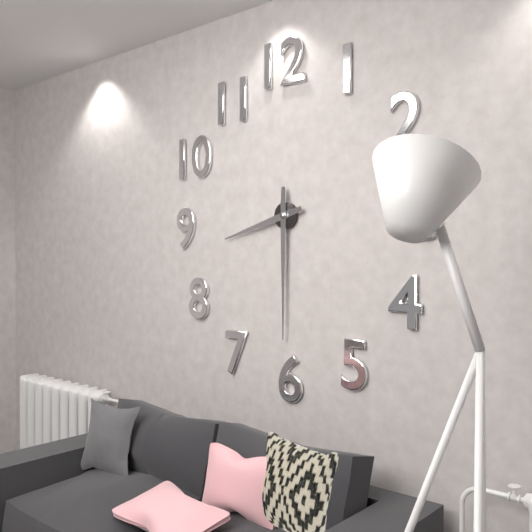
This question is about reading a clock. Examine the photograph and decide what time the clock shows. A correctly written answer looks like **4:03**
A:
**8:30**
